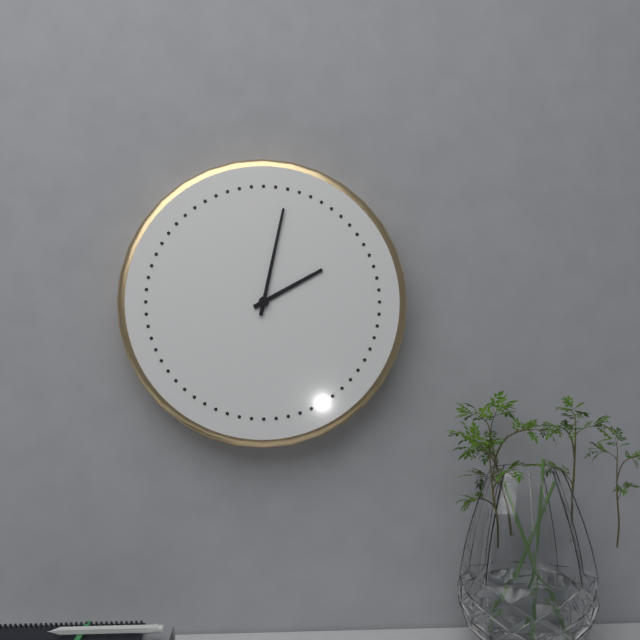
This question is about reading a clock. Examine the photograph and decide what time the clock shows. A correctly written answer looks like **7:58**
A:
**2:02**
